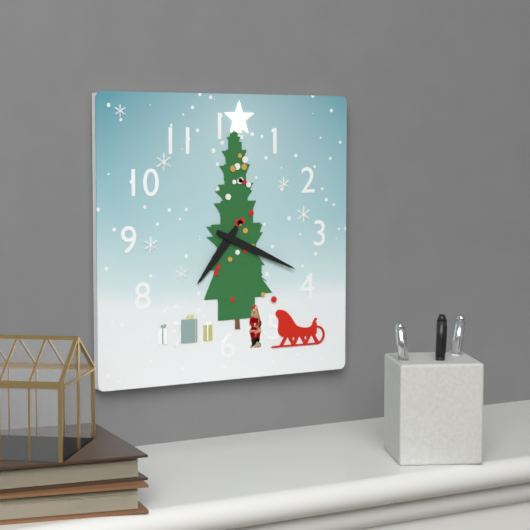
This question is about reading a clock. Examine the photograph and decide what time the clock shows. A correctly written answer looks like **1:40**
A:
**7:19**
